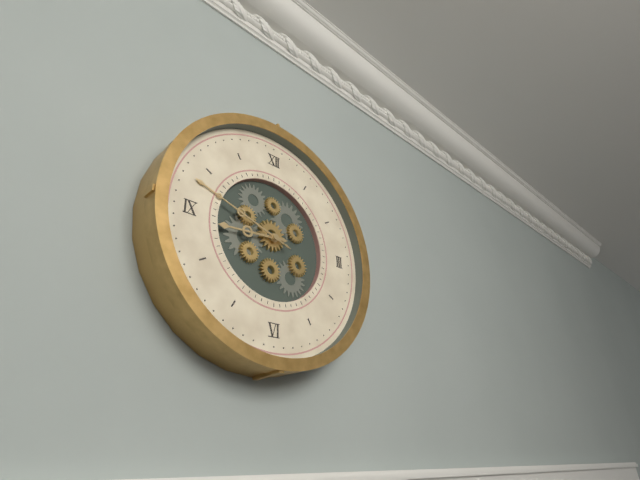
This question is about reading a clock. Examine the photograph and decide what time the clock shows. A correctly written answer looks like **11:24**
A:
**8:48**
